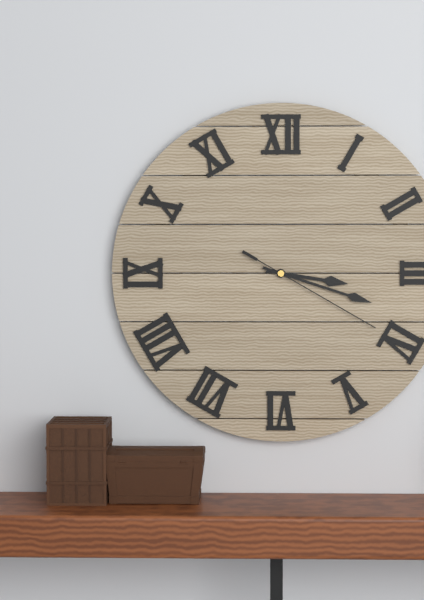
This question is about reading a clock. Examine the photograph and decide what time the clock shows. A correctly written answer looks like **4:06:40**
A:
**3:18:20**
